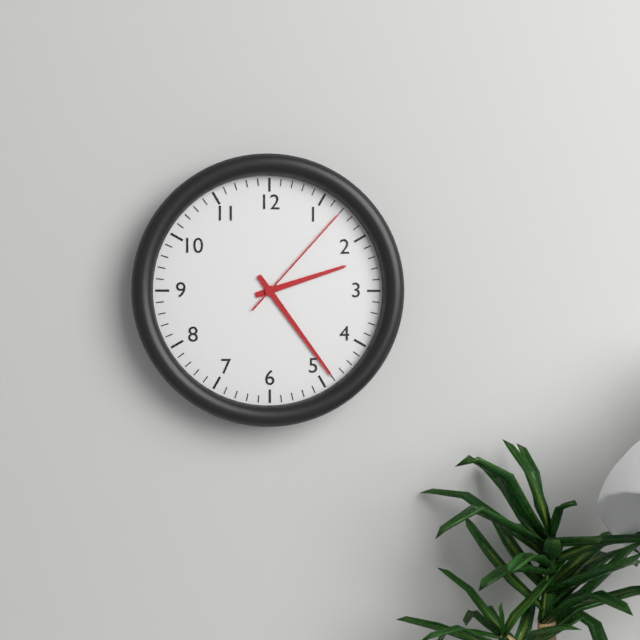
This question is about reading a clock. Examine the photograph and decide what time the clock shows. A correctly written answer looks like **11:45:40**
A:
**2:24:07**
